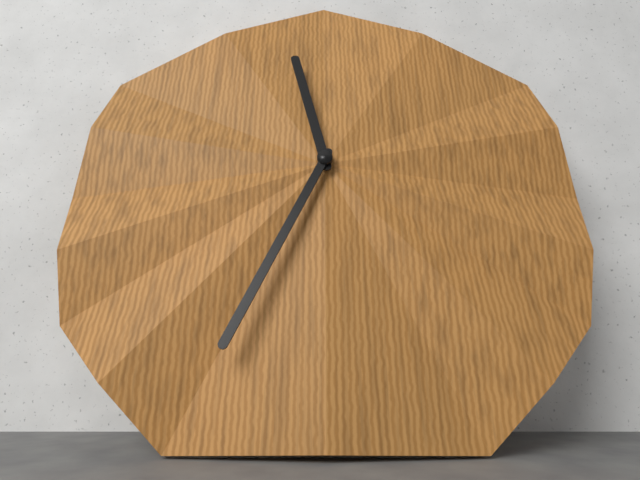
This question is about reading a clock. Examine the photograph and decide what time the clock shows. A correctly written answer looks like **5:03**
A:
**11:34**
